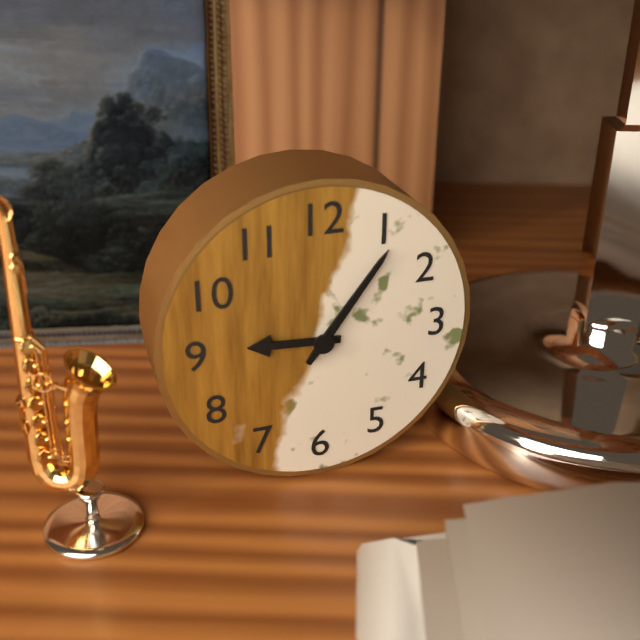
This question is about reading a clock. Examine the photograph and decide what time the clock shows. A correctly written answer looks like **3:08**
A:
**9:06**
